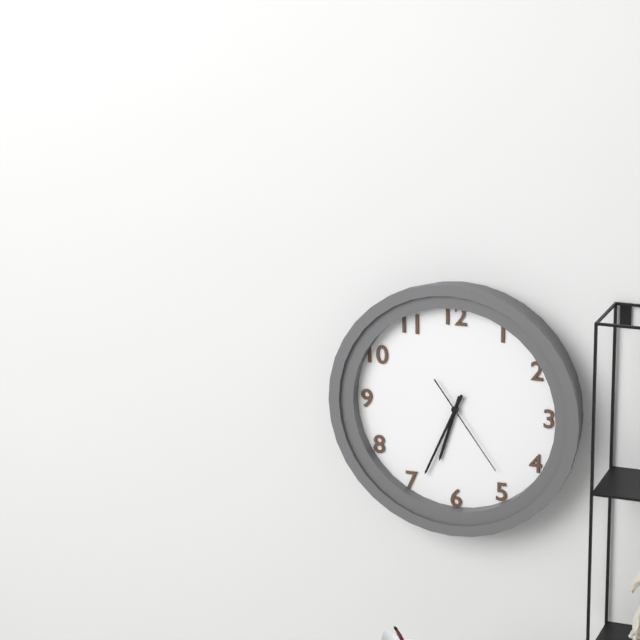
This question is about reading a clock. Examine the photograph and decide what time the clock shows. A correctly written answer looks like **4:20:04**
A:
**6:34:24**
